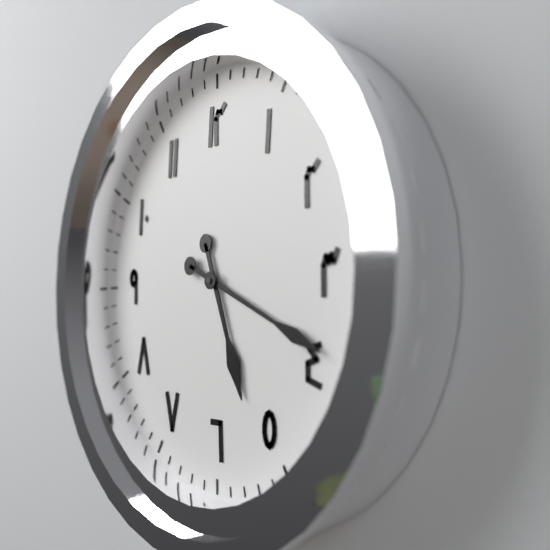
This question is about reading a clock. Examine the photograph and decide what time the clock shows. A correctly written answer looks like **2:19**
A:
**5:19**
